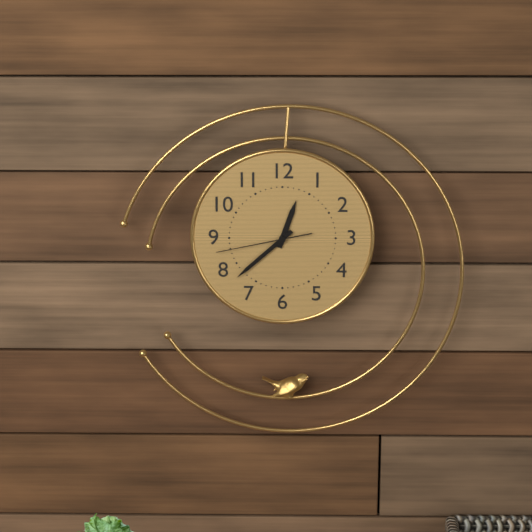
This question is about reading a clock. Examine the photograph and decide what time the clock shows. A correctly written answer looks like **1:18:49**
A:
**12:38:43**
